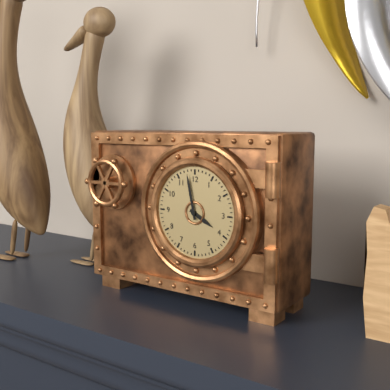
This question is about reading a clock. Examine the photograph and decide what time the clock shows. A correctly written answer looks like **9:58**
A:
**3:58**
